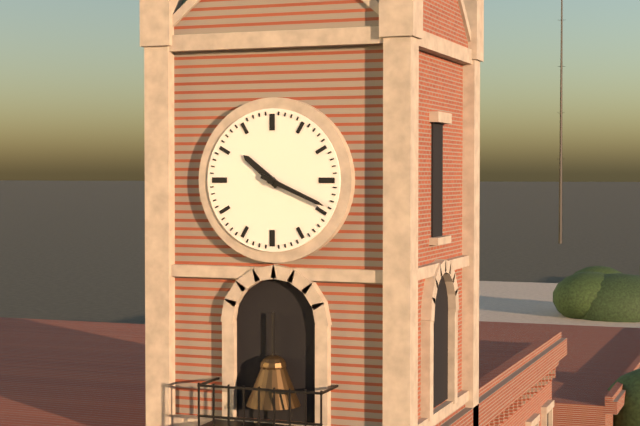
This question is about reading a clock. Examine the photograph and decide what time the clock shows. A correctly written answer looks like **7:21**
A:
**10:19**
